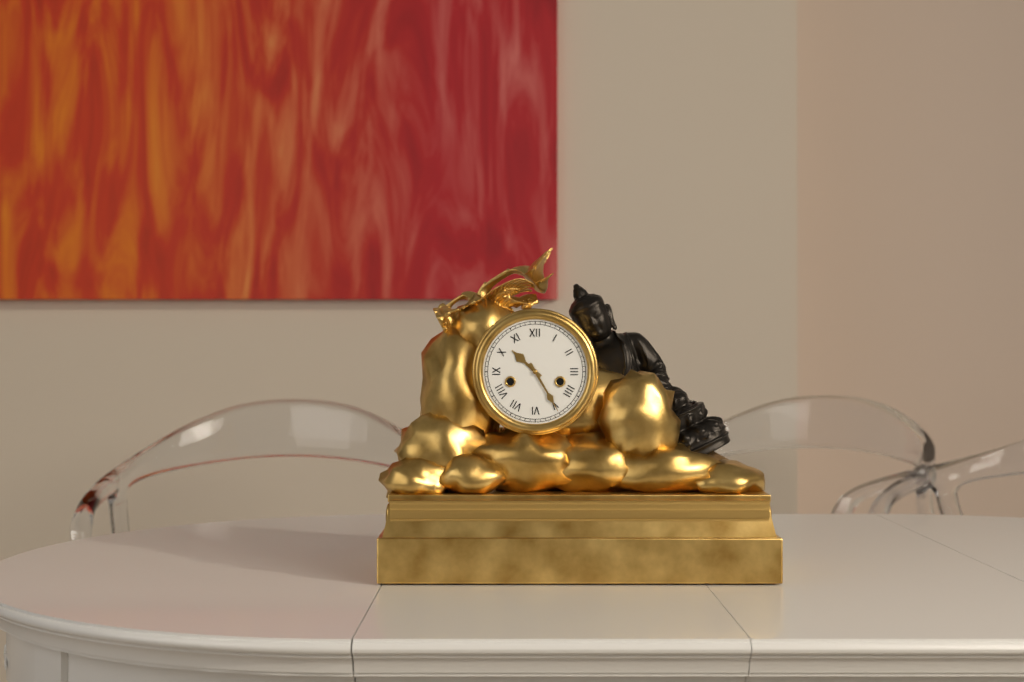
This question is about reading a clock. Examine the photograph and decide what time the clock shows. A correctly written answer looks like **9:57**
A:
**10:25**
